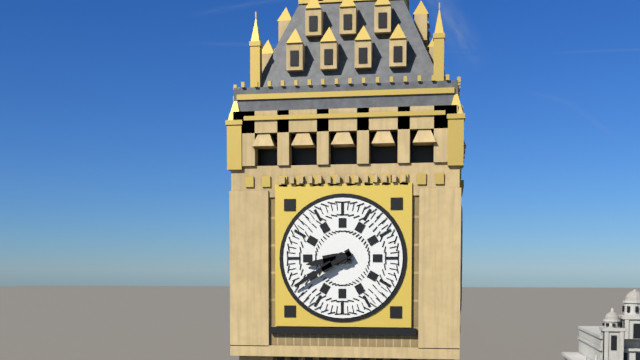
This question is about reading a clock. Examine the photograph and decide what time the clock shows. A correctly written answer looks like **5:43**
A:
**8:40**
